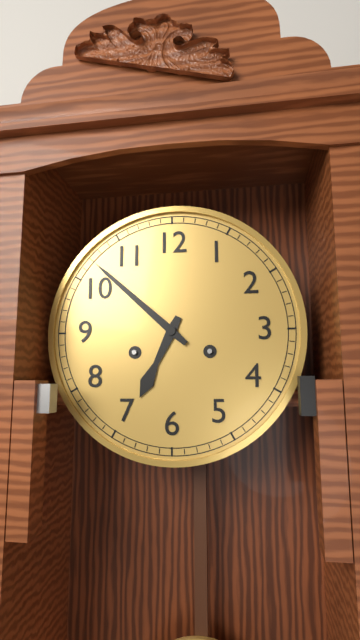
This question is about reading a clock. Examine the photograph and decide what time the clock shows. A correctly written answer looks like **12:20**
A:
**6:52**
